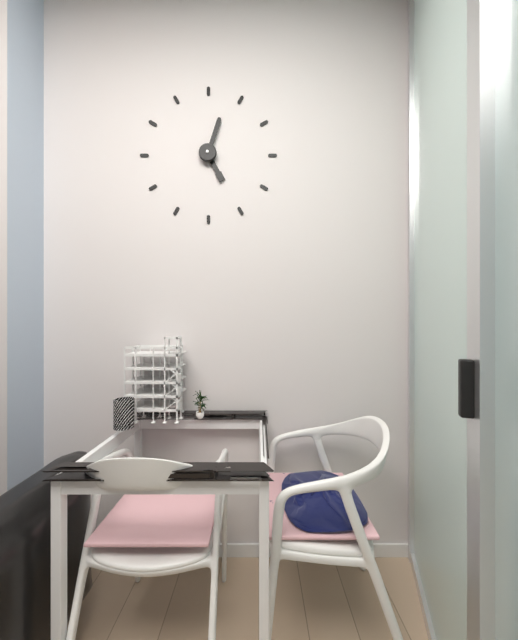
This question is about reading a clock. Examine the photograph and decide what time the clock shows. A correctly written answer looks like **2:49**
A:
**5:03**
